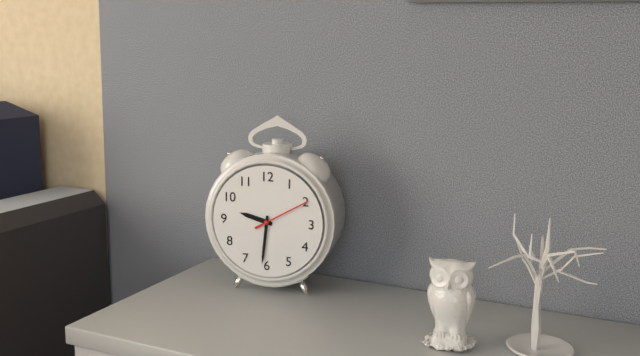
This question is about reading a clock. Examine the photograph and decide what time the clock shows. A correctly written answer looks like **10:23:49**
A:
**9:31:10**
